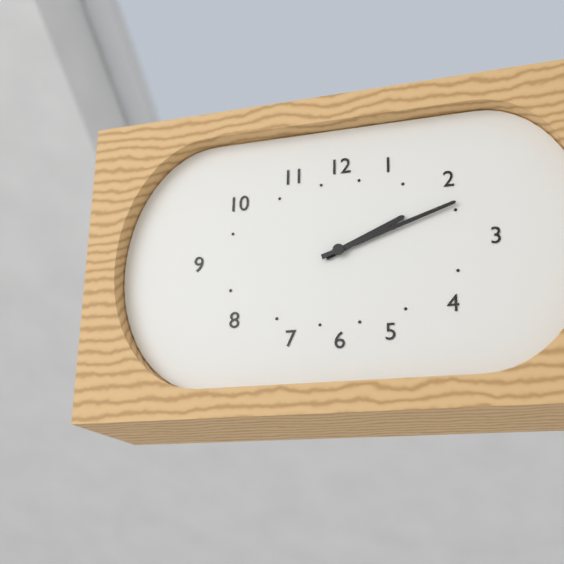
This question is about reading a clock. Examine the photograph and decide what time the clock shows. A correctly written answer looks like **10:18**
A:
**2:12**
